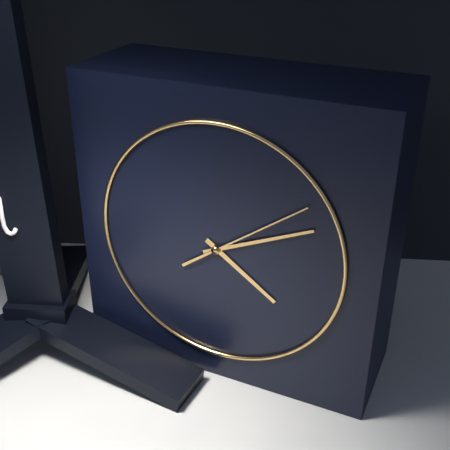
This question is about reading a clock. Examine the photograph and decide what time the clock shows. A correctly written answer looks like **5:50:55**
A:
**4:11:09**
